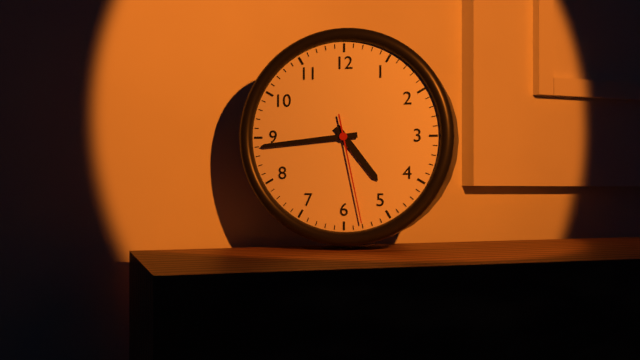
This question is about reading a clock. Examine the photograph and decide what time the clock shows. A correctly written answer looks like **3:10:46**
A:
**4:44:28**
